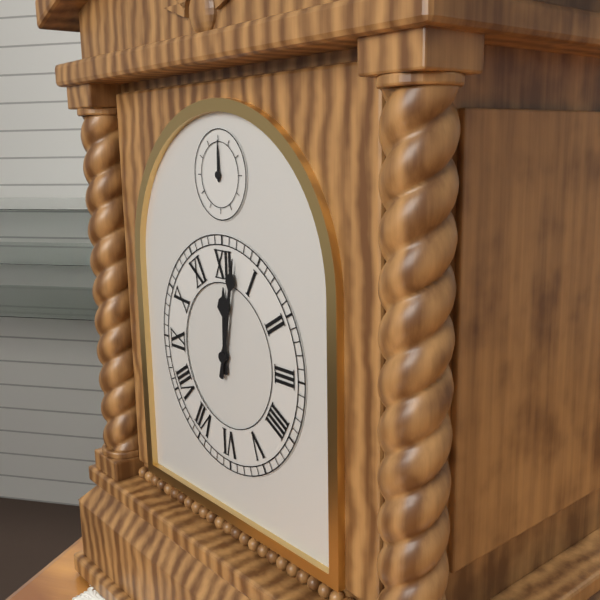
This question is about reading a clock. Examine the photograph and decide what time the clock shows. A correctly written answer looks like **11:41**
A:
**12:02**
